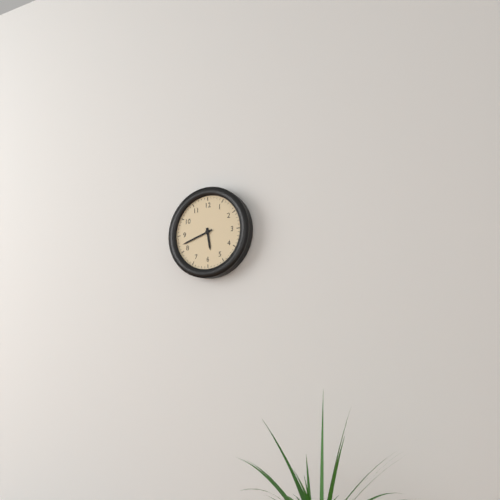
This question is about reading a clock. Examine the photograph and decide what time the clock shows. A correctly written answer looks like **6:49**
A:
**5:42**
